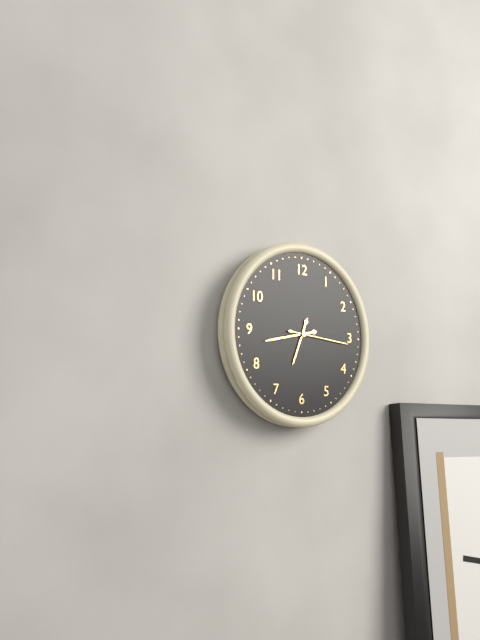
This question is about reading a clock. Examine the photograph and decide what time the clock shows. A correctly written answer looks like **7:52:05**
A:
**6:43:16**
